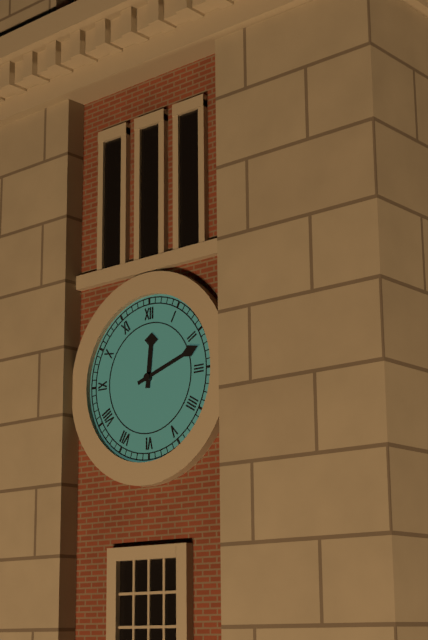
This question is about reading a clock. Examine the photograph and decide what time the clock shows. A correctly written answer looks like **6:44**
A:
**12:12**
